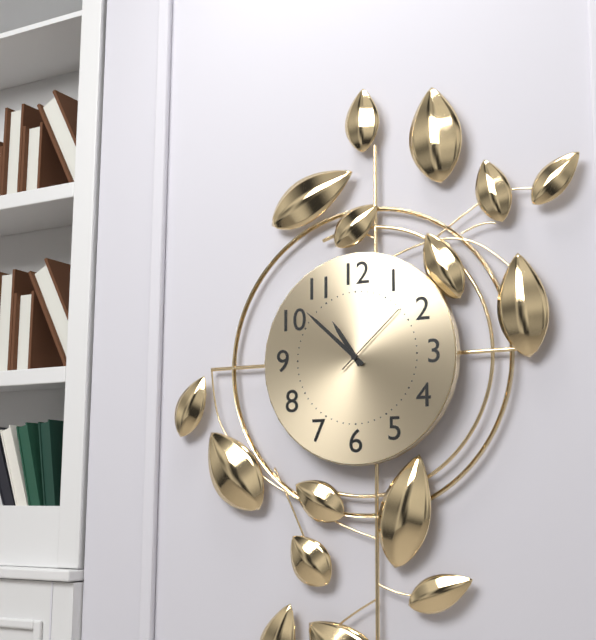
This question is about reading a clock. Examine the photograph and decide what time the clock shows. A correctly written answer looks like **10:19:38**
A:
**10:52:08**
